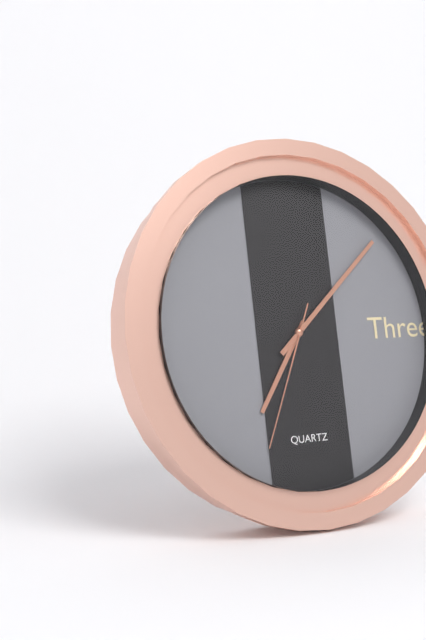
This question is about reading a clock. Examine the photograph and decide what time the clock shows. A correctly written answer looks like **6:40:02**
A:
**7:08:34**
